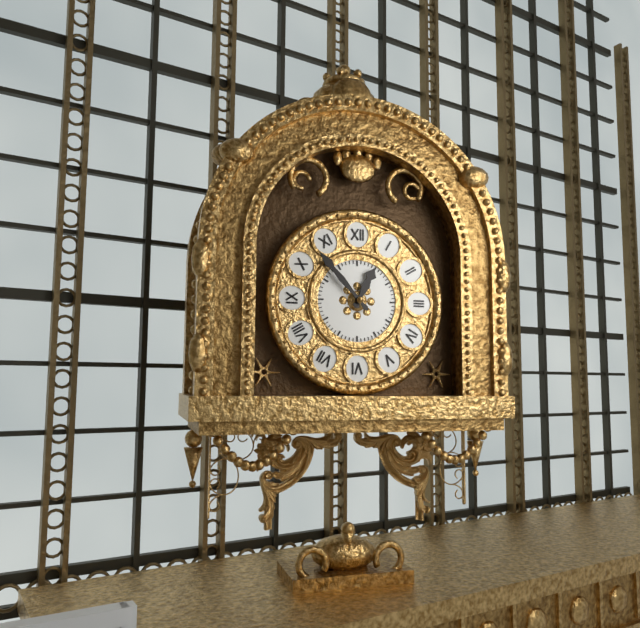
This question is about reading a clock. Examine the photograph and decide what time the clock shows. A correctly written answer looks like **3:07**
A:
**12:53**
